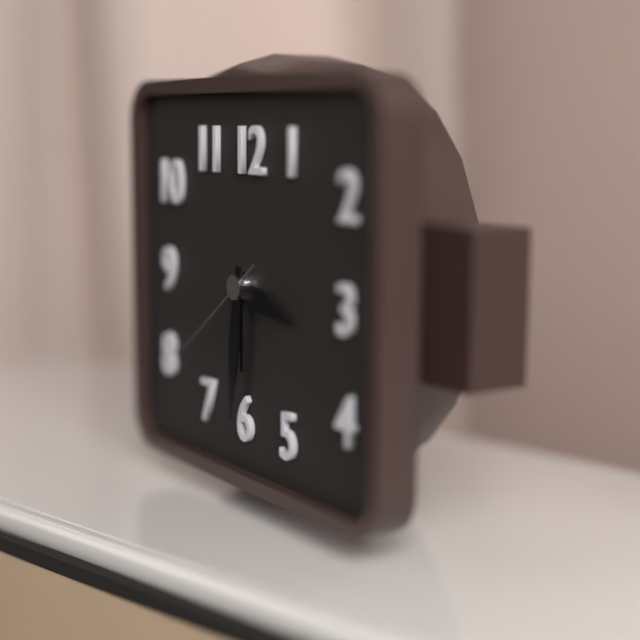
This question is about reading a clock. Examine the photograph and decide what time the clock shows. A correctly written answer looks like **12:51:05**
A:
**3:31:39**
